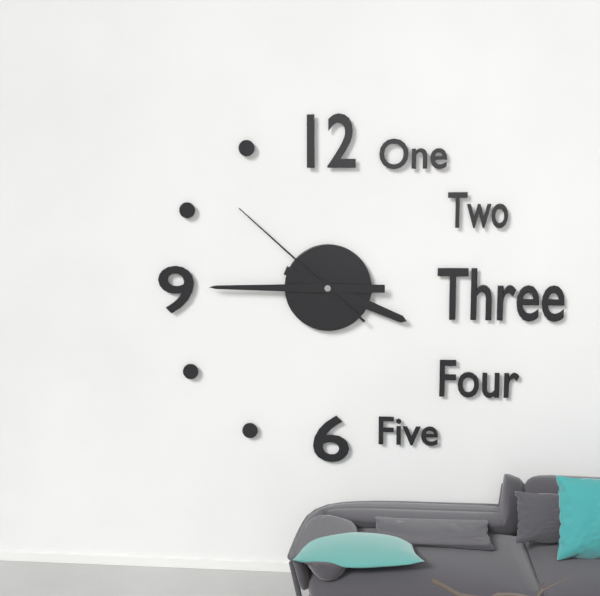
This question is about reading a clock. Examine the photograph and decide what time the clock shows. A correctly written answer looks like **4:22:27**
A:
**3:45:52**
